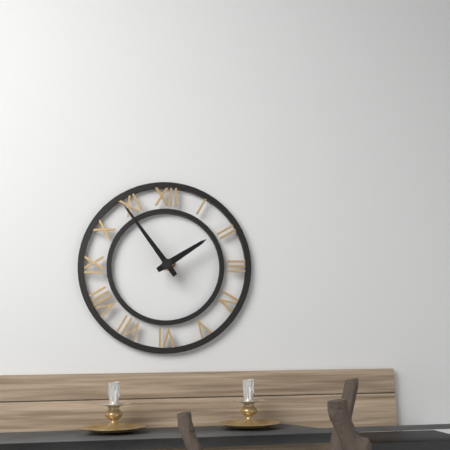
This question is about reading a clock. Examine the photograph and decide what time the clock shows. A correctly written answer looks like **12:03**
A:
**1:54**
